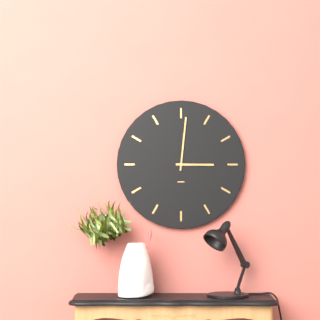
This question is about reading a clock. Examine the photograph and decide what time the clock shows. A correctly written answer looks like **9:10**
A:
**3:01**
